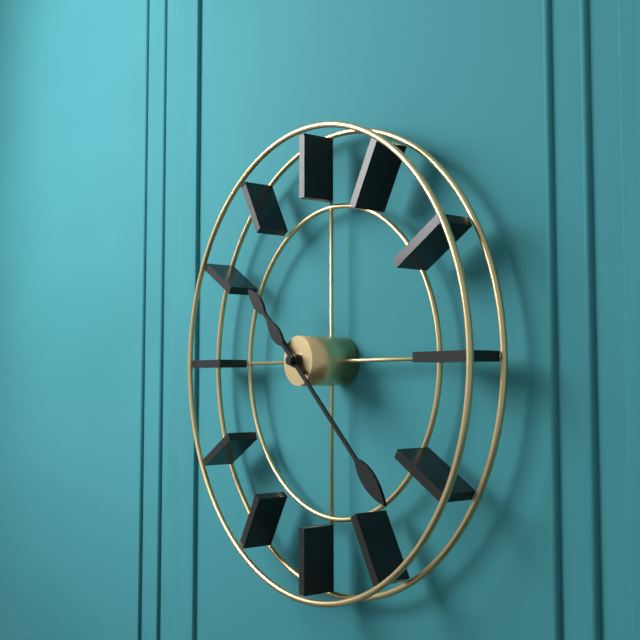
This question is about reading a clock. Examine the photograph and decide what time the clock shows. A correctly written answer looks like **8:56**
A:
**10:22**
